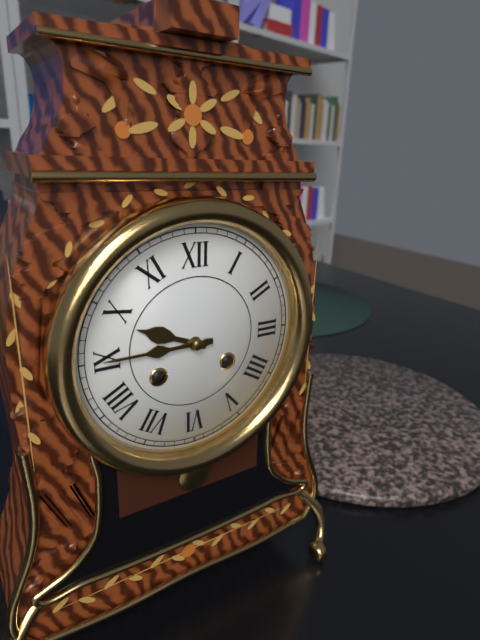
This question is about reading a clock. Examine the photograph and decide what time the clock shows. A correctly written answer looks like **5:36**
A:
**9:45**
